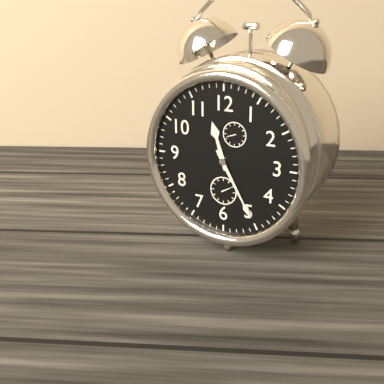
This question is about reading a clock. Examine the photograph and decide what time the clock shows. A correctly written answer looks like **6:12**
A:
**11:25**
